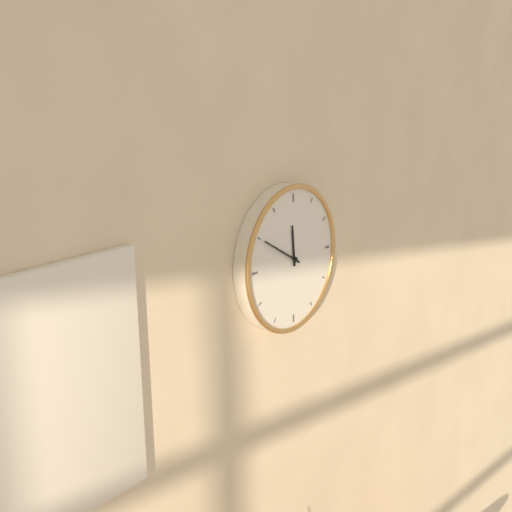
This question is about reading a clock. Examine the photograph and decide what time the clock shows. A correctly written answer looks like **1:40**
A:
**11:50**
